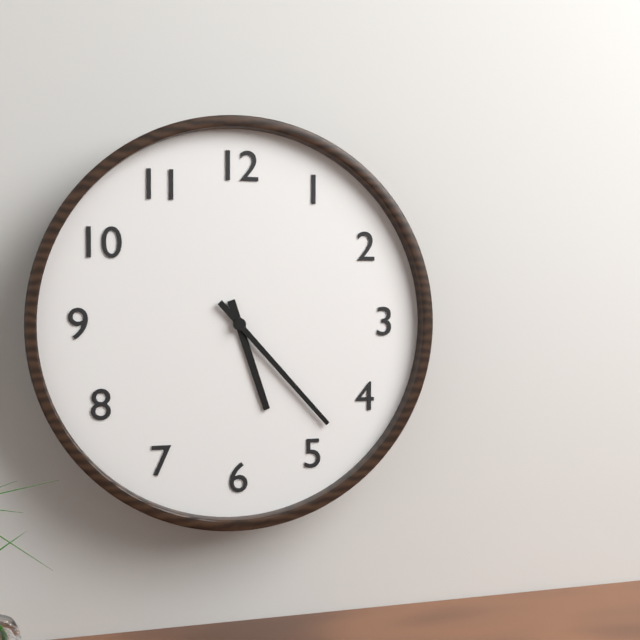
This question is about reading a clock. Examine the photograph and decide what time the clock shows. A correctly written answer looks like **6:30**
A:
**5:23**
